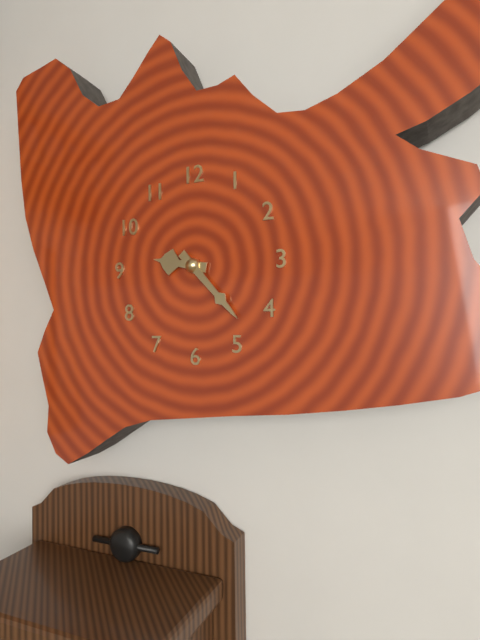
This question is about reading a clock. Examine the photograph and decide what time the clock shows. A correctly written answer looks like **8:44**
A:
**9:23**
